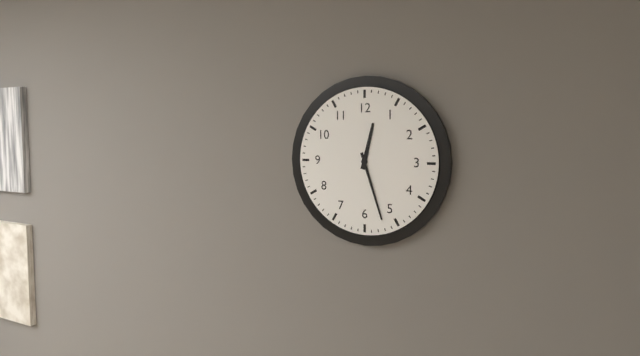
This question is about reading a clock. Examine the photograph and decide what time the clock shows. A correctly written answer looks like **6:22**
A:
**12:27**
